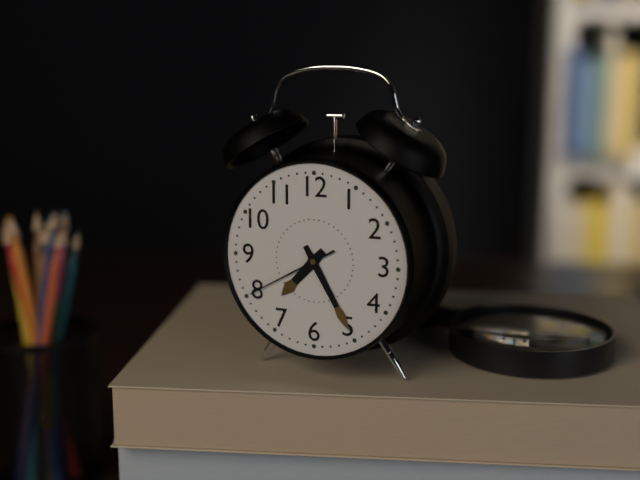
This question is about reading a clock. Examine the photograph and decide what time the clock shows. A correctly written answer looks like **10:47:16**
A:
**7:25:40**
